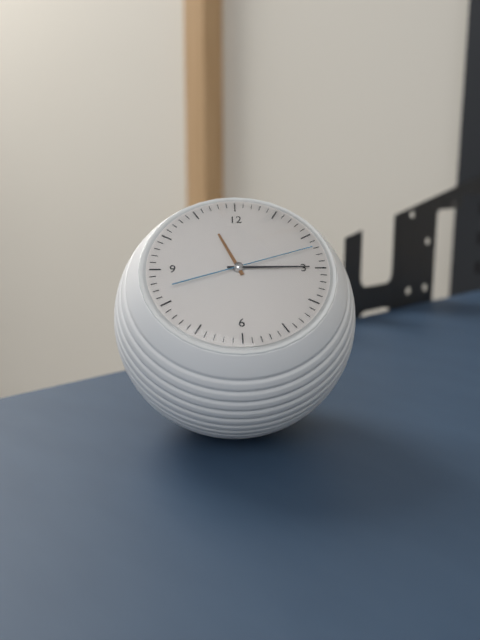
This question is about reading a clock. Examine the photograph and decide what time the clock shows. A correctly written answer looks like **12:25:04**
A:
**11:15:12**
